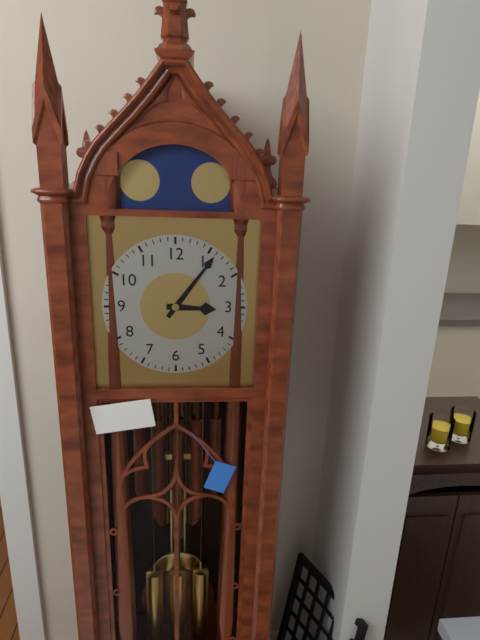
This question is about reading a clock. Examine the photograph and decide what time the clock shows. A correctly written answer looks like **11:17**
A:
**3:06**
